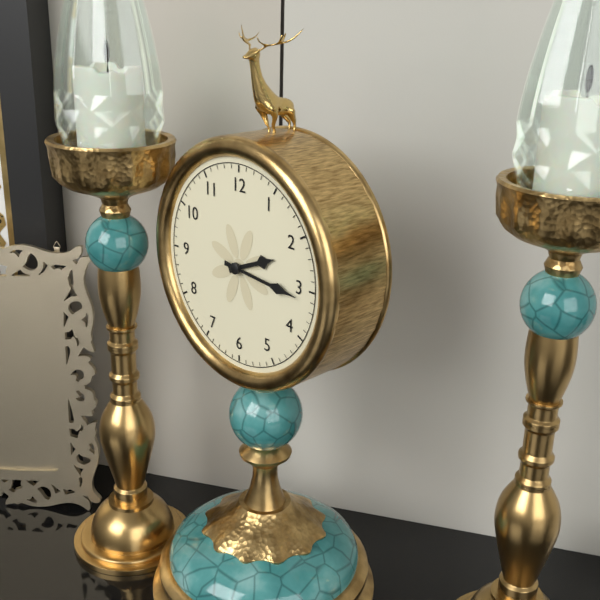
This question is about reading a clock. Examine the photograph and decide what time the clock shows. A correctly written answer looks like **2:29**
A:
**2:16**
